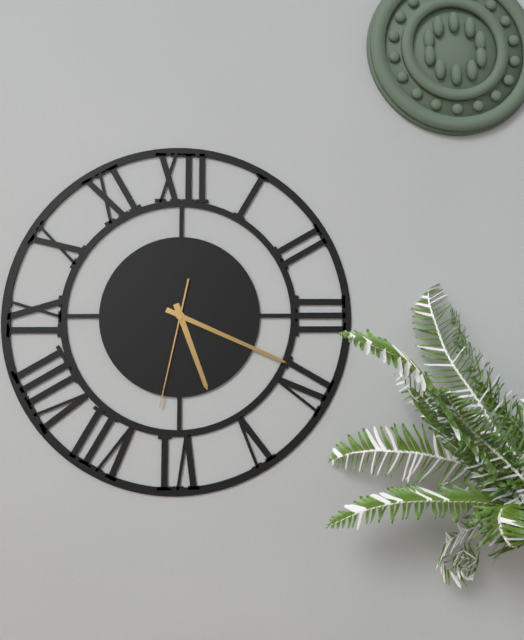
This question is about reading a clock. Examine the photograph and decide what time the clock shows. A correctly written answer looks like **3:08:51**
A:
**5:19:32**
